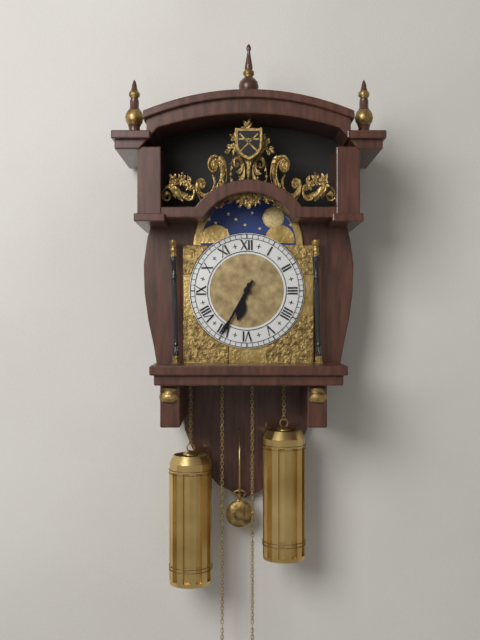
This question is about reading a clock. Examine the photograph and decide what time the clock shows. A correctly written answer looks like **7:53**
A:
**6:35**
